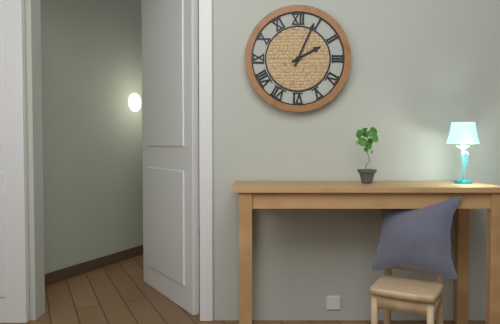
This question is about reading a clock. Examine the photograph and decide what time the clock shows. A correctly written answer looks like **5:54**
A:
**2:04**
